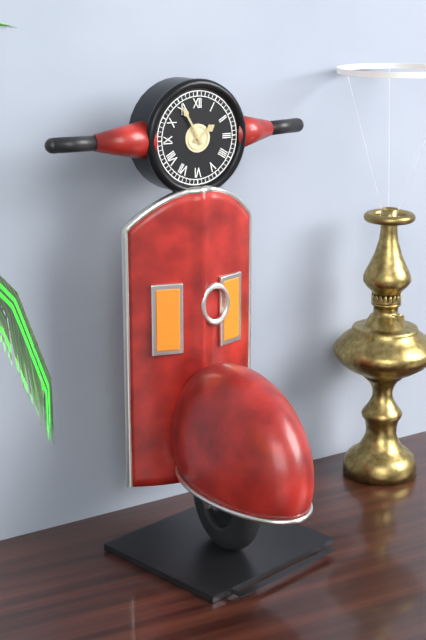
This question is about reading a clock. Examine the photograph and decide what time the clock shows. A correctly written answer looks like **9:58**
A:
**1:55**
